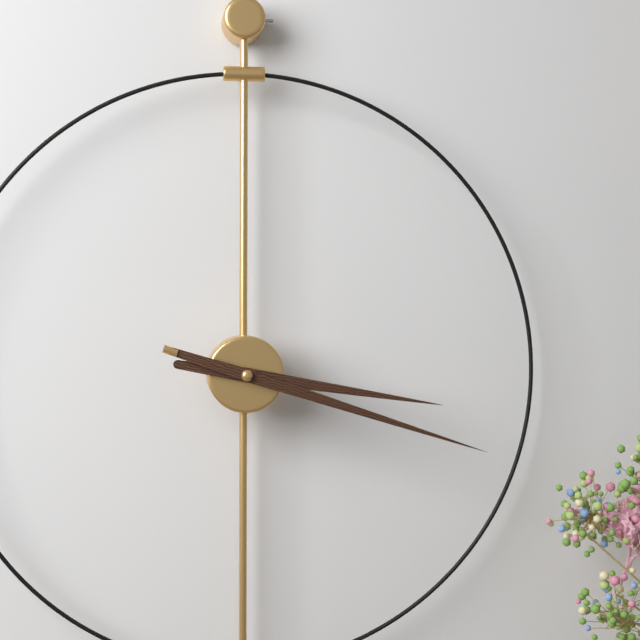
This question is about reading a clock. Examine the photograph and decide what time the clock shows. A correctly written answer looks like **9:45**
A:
**3:18**
